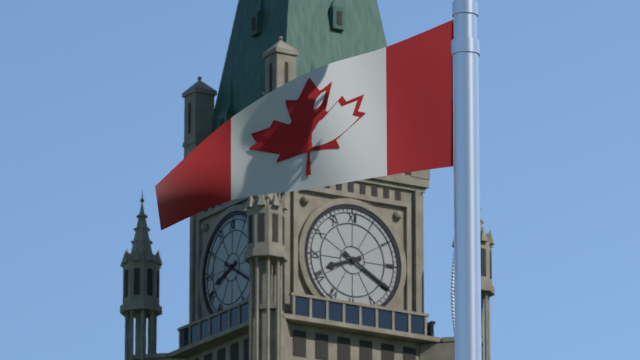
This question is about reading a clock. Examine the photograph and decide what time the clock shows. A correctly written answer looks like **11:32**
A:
**8:20**
